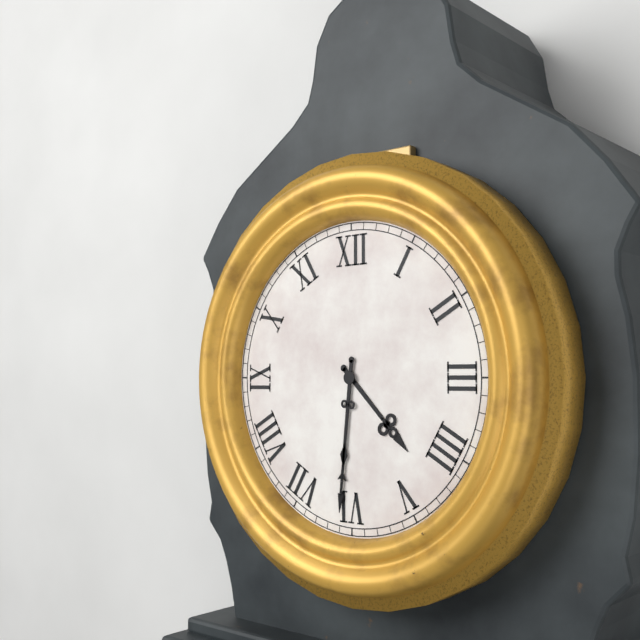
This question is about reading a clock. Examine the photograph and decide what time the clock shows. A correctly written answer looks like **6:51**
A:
**4:31**
